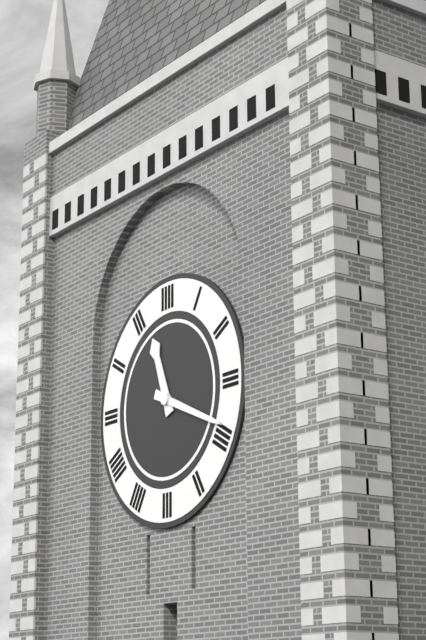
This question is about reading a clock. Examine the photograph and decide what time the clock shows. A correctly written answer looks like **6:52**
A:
**11:19**
